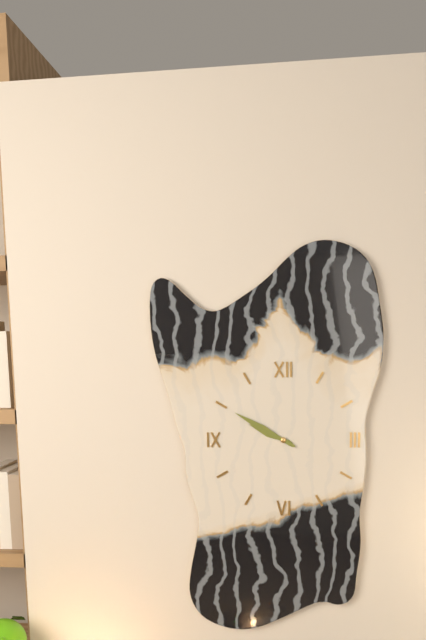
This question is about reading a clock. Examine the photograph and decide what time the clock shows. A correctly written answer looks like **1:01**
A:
**9:50**
